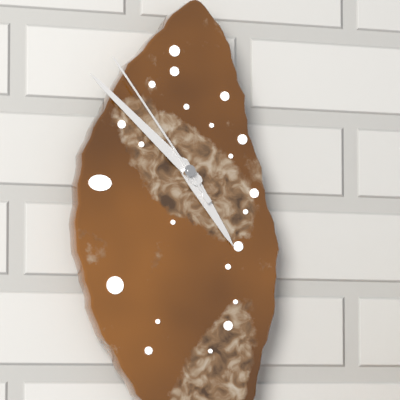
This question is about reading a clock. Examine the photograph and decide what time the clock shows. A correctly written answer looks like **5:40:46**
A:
**4:52:54**
